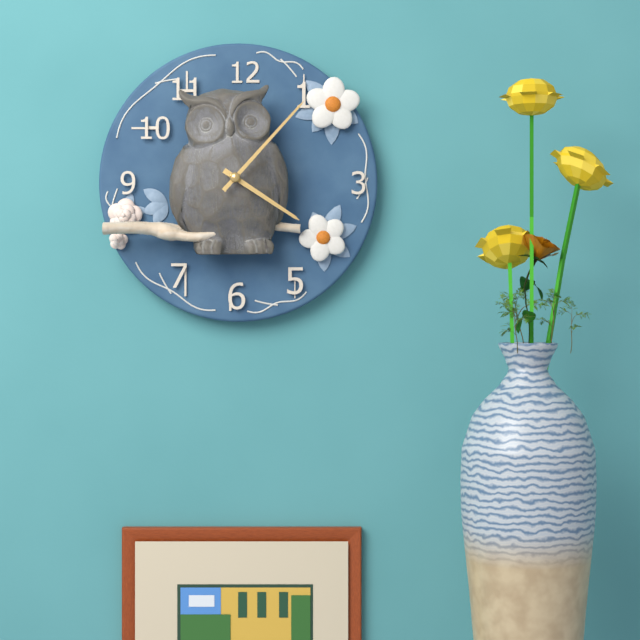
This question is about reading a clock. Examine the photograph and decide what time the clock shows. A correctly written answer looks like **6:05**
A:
**4:07**
